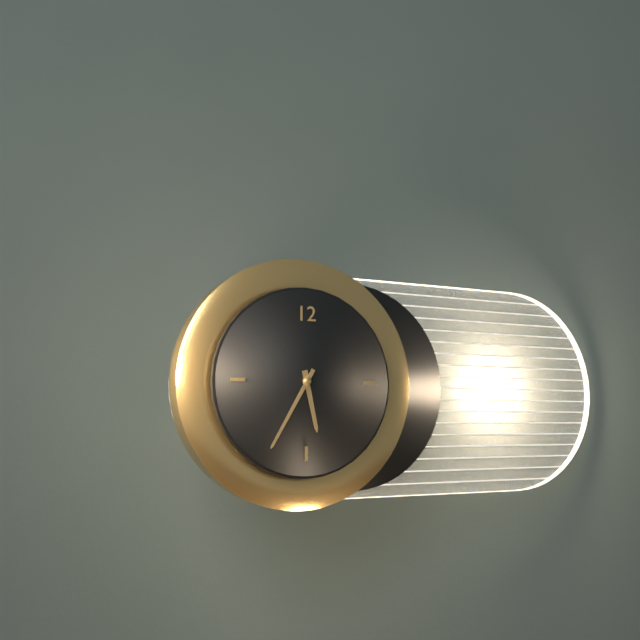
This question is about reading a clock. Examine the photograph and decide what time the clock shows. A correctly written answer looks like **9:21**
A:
**5:35**
